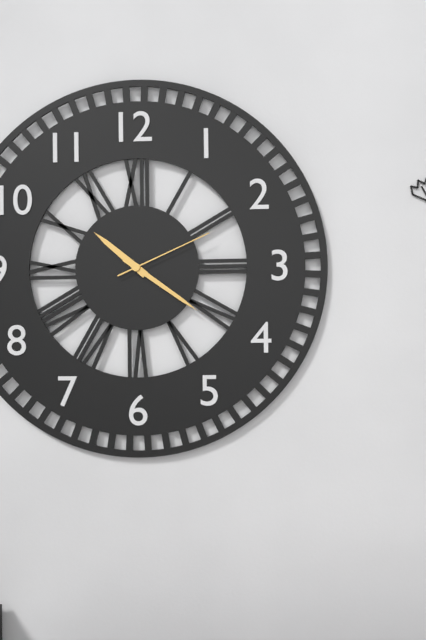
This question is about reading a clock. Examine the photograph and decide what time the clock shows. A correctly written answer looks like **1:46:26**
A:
**10:21:11**
